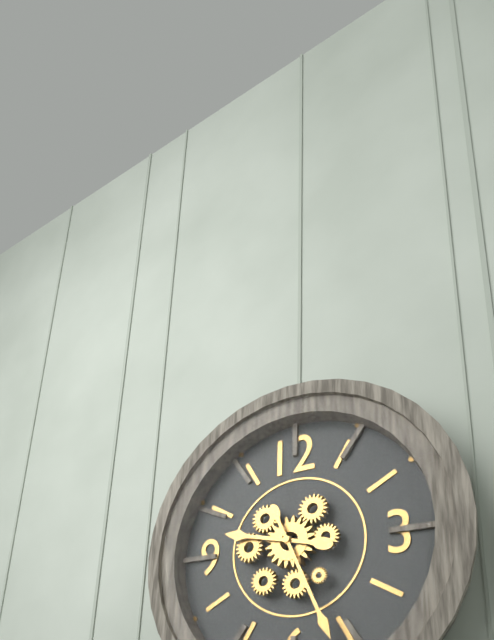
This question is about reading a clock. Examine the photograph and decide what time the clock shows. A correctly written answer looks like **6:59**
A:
**9:26**
